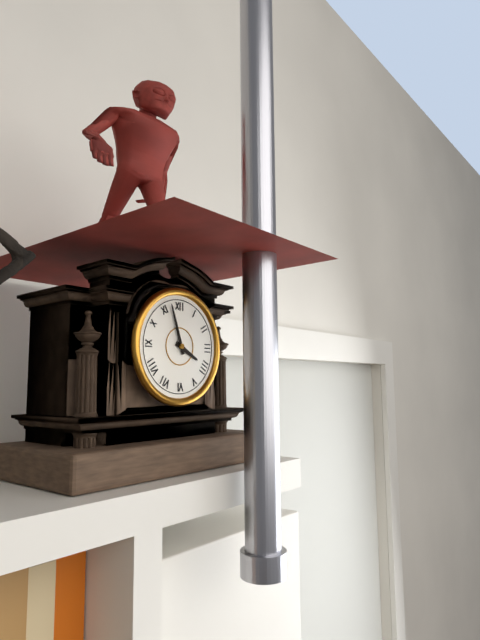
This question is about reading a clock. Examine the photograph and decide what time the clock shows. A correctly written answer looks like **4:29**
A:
**3:57**
